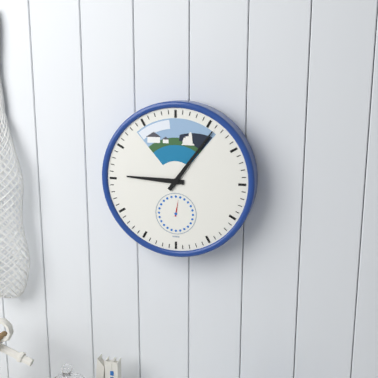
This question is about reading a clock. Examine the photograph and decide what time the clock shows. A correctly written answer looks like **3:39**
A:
**9:06**
